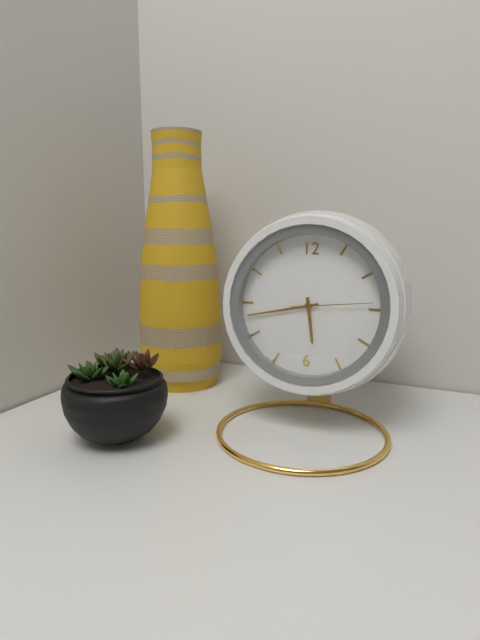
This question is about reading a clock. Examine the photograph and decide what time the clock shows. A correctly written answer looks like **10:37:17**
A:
**5:43:14**
